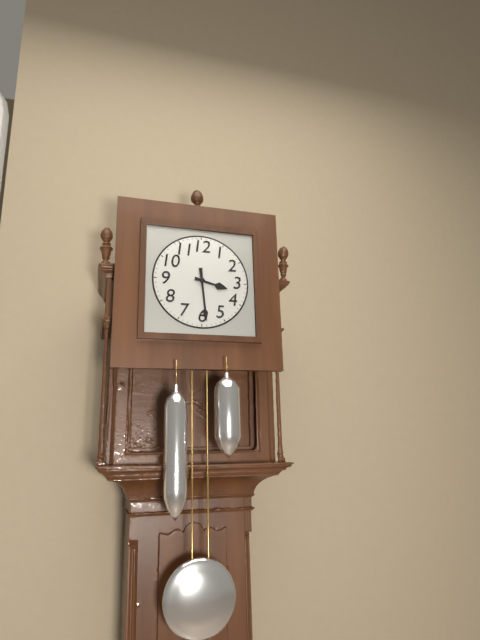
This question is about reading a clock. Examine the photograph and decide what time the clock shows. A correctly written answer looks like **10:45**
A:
**3:29**
